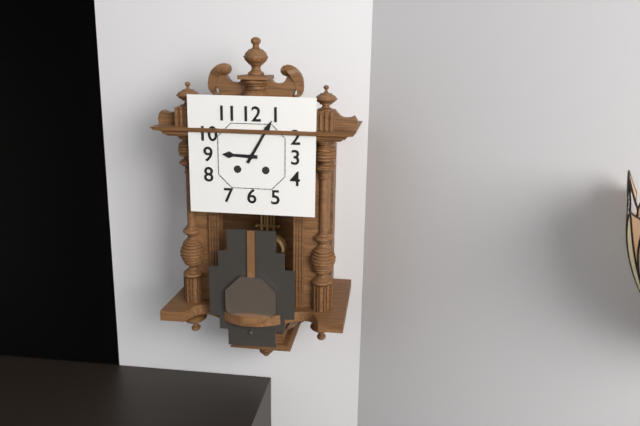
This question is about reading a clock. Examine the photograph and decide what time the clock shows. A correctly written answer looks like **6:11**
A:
**9:05**
